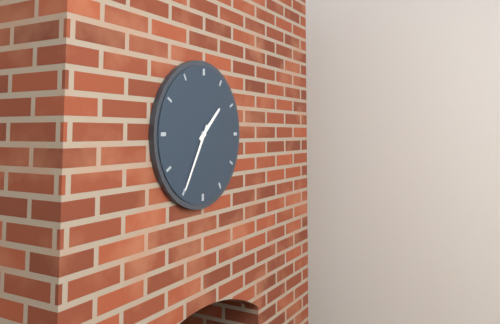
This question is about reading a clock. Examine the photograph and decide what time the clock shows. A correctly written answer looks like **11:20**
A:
**1:35**
